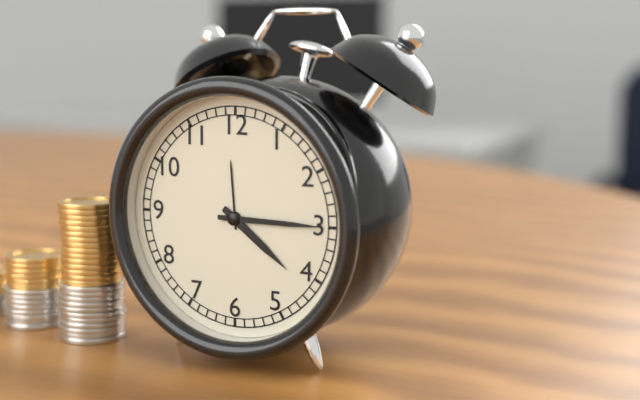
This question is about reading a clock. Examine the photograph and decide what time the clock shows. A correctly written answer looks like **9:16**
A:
**4:15**
